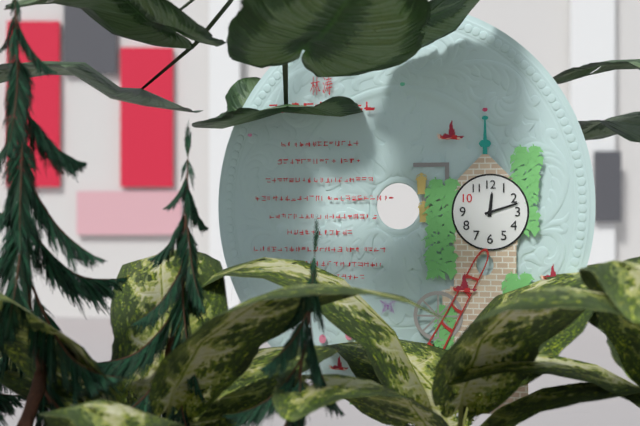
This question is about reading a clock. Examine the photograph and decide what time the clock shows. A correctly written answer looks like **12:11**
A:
**12:12**
